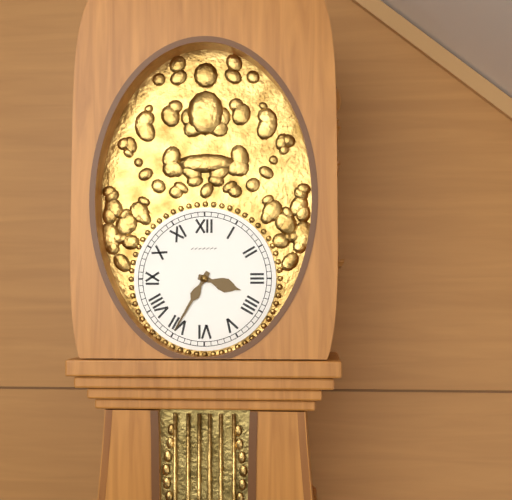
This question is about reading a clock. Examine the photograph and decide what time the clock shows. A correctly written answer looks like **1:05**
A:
**3:35**
